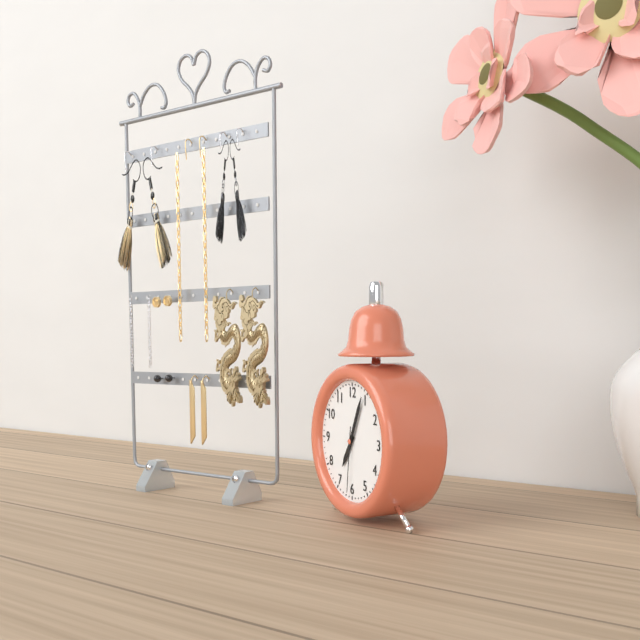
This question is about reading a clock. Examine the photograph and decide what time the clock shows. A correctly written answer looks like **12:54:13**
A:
**7:04:31**
